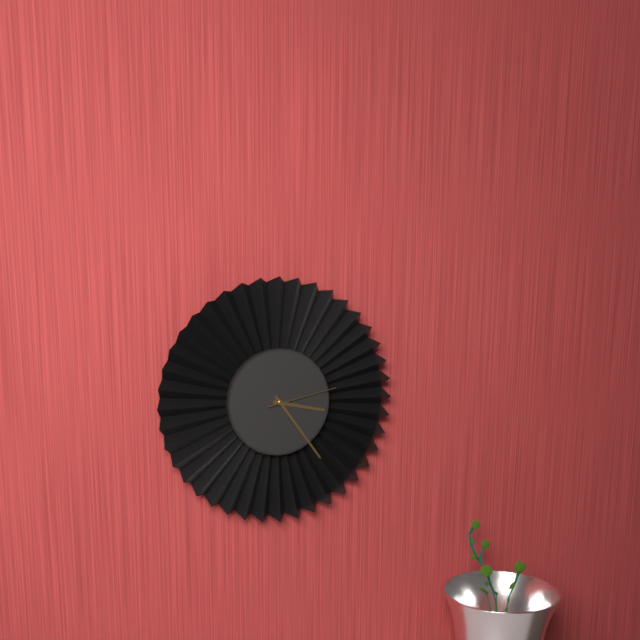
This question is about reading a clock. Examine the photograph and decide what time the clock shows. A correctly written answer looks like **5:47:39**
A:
**3:24:13**
